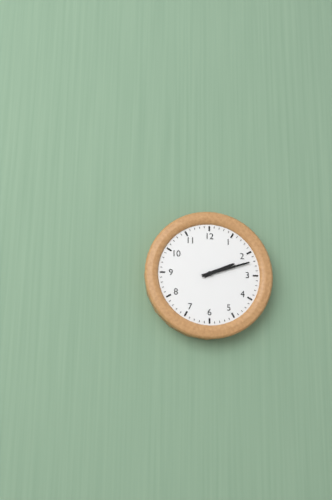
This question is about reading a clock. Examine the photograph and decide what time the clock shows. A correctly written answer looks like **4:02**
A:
**2:12**
